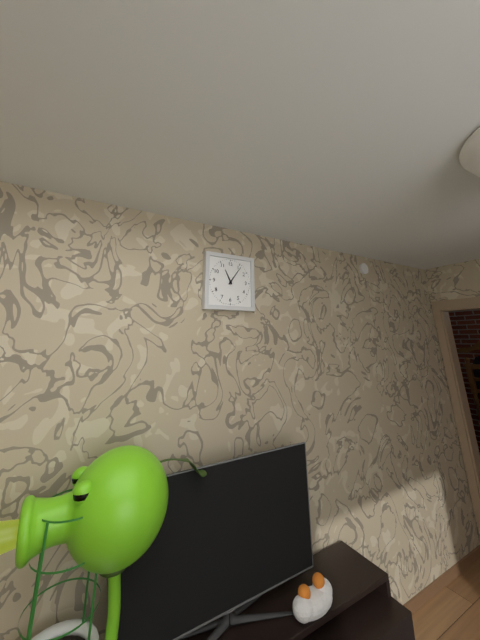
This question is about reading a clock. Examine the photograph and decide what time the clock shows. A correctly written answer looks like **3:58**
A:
**11:06**
